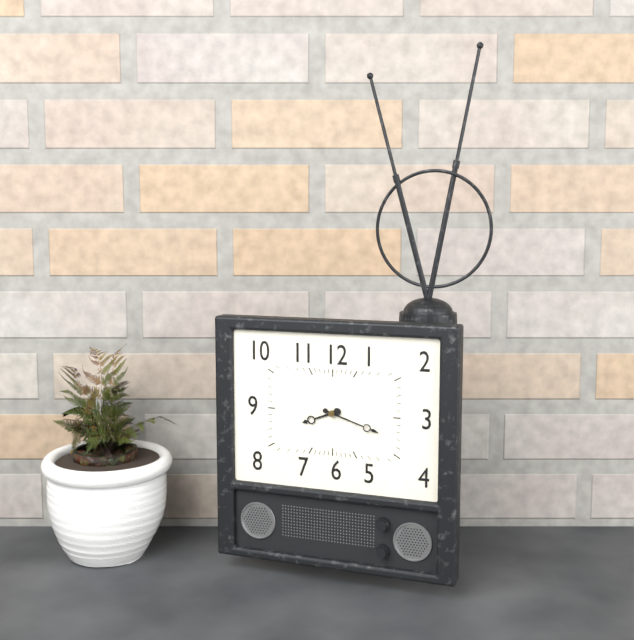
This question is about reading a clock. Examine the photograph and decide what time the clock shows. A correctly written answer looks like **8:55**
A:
**8:18**
